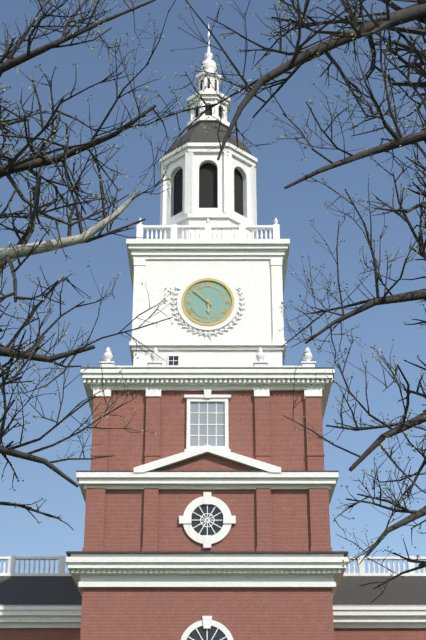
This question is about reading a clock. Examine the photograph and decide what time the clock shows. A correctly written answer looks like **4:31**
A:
**5:52**
